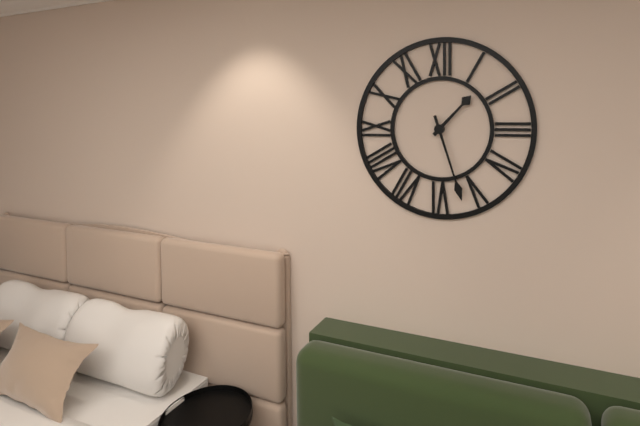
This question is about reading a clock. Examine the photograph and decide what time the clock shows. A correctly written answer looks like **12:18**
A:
**1:27**
